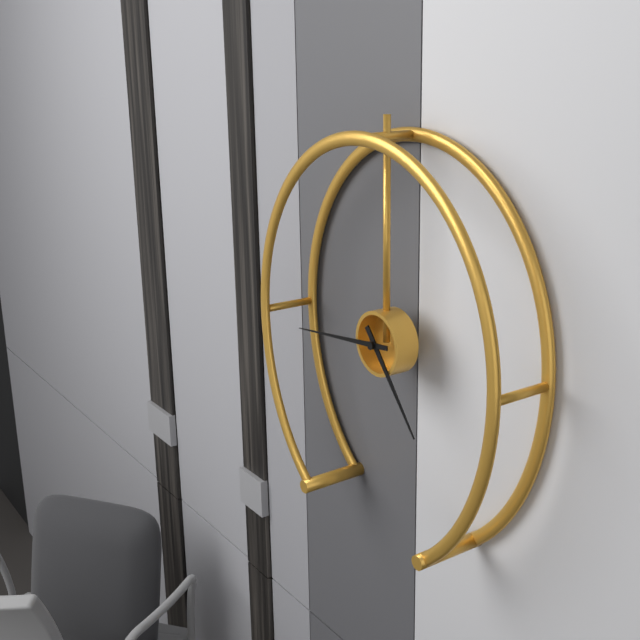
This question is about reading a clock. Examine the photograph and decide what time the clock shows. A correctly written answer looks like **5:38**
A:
**4:44**
